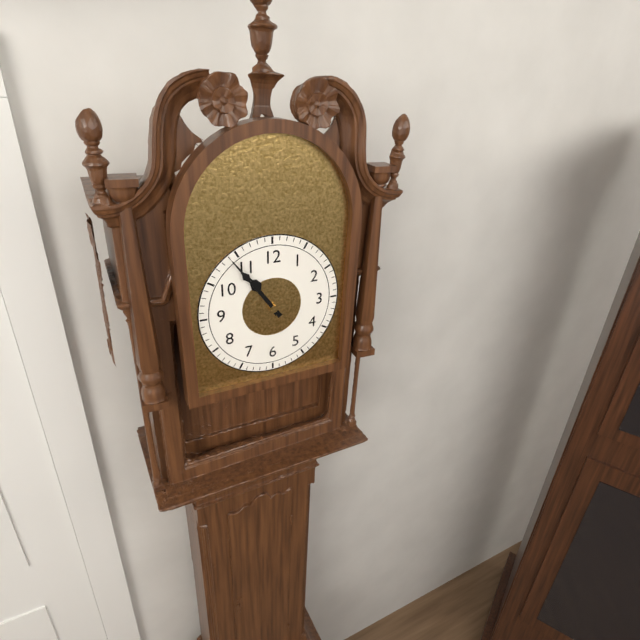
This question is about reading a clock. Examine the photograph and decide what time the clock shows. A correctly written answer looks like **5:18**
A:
**10:54**
